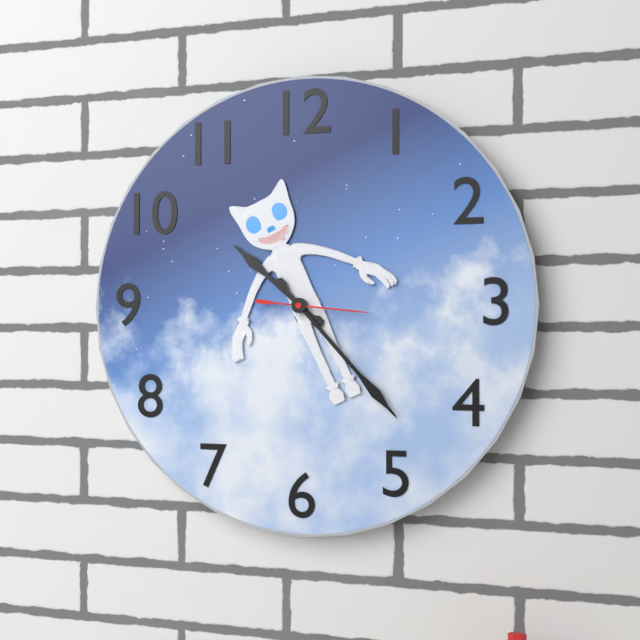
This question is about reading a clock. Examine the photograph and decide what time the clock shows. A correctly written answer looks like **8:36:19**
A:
**10:23:16**
